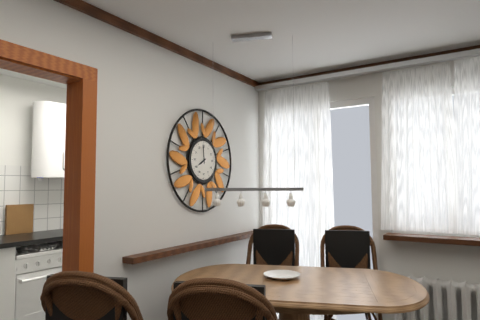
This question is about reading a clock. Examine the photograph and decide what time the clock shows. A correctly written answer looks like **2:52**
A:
**7:59**
